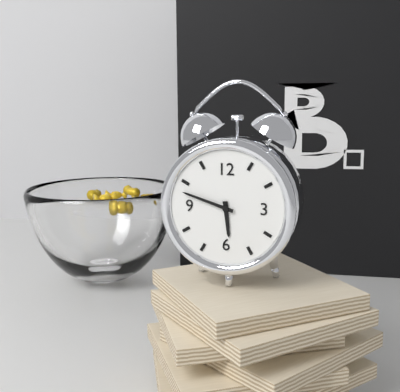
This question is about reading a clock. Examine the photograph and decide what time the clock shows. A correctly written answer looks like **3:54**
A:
**5:48**
